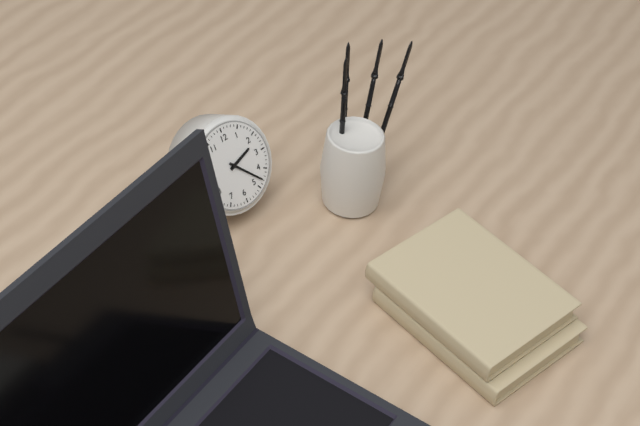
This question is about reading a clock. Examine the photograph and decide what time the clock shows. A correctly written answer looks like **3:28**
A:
**2:23**
